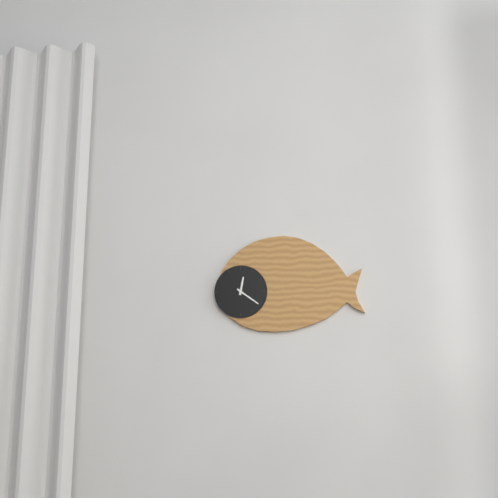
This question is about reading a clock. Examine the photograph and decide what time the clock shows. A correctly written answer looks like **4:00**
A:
**12:21**
